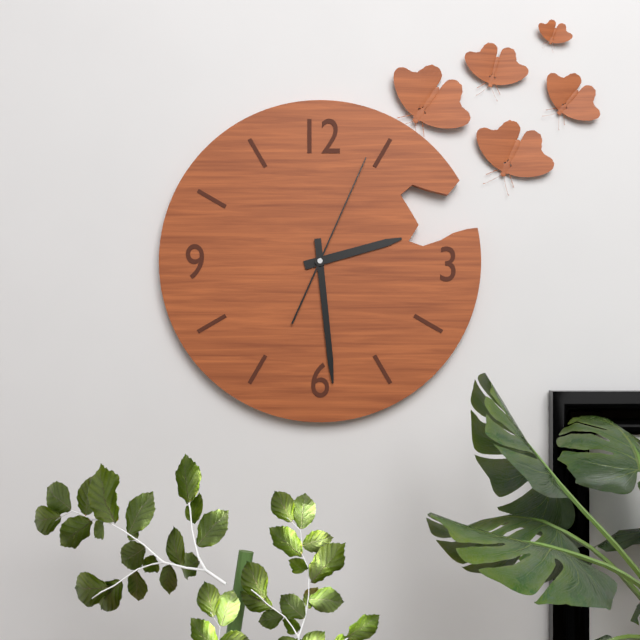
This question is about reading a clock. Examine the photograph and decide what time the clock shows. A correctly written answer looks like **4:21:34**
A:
**2:29:04**
